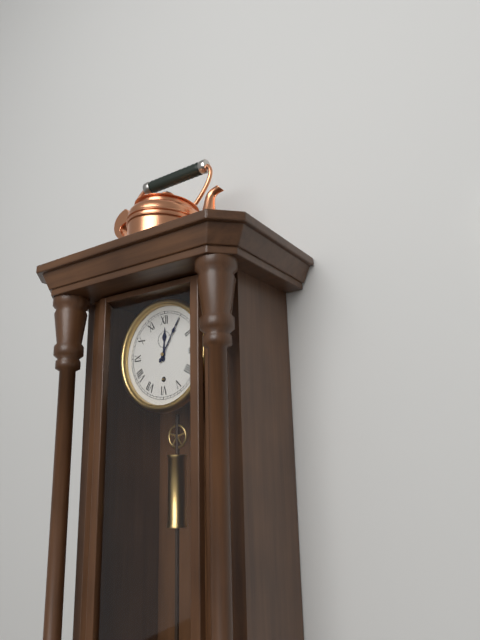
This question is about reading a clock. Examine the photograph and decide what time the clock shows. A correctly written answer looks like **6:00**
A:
**12:05**
